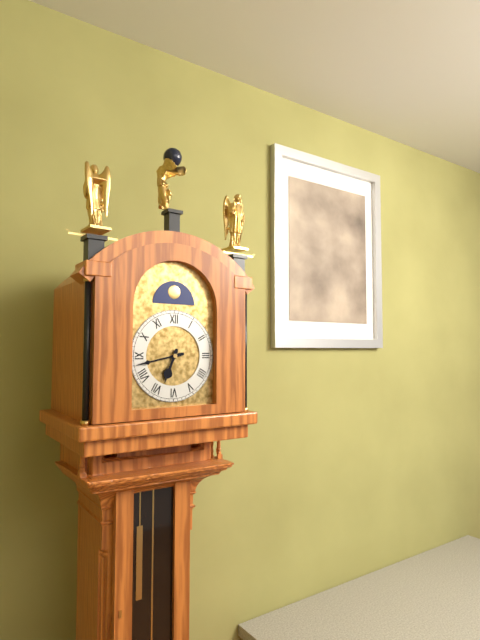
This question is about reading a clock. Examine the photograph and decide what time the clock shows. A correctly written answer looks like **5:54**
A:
**6:43**
